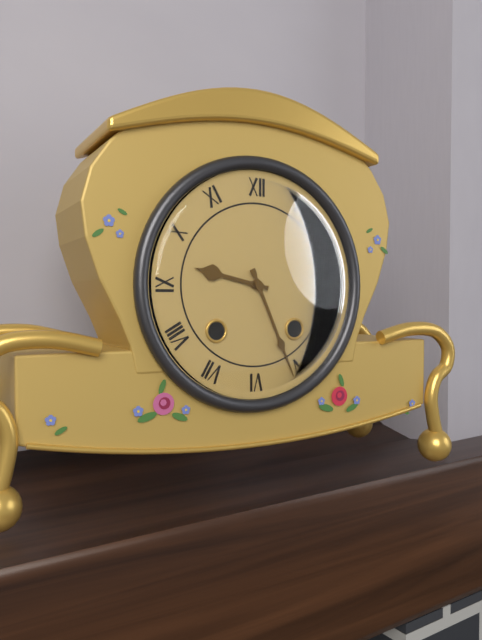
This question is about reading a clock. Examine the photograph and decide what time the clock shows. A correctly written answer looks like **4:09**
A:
**9:26**
